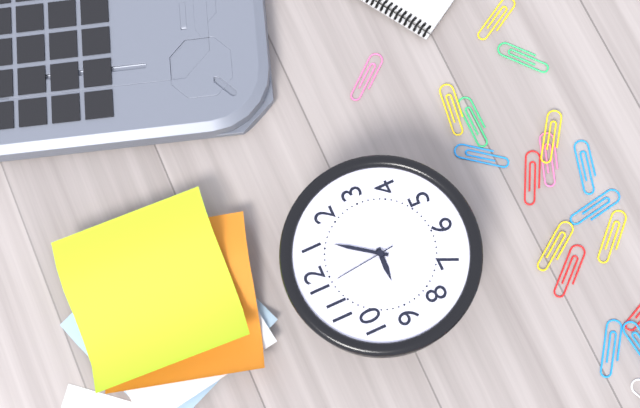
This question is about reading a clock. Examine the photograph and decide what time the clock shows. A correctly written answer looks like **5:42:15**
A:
**9:06:59**
